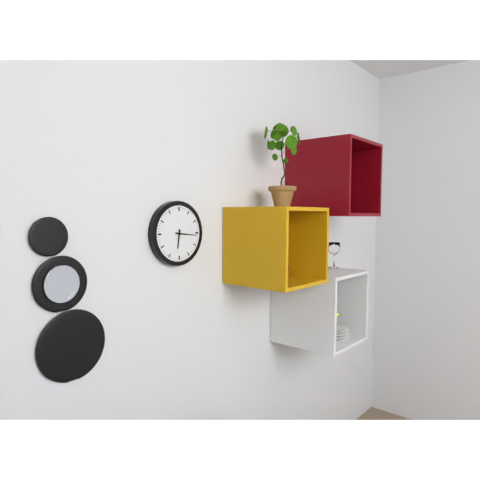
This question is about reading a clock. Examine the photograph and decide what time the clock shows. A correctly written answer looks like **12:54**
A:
**6:16**
